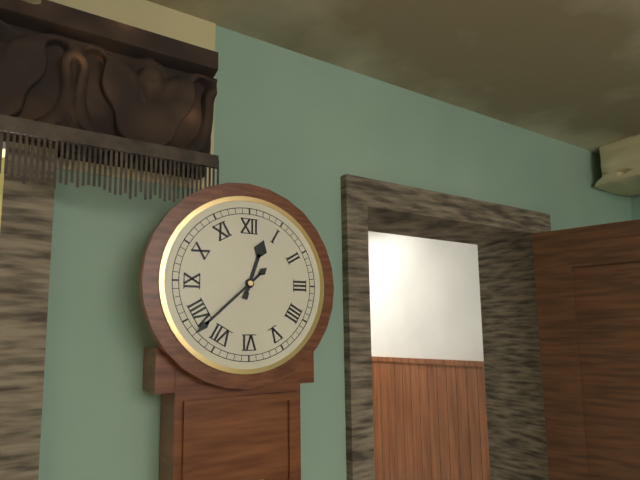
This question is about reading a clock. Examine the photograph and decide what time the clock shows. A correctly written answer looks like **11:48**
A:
**12:38**
